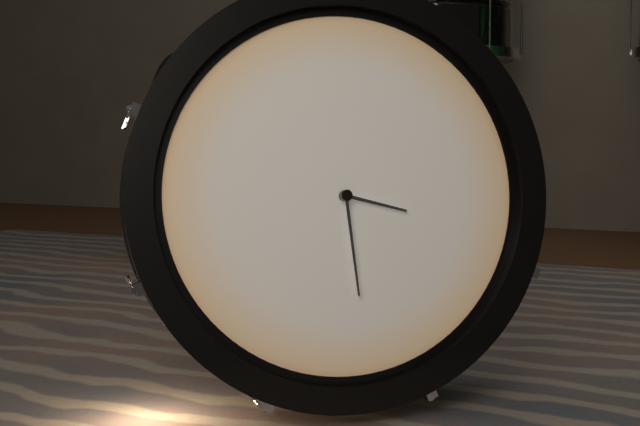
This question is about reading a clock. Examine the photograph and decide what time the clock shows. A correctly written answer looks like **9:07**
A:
**3:29**
